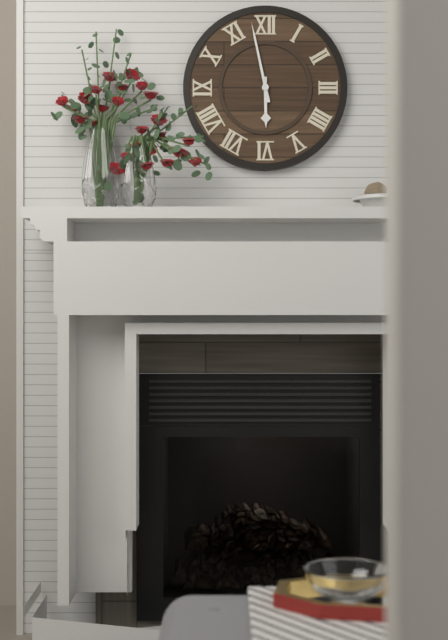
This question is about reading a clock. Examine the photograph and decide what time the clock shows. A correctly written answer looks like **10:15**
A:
**5:58**
